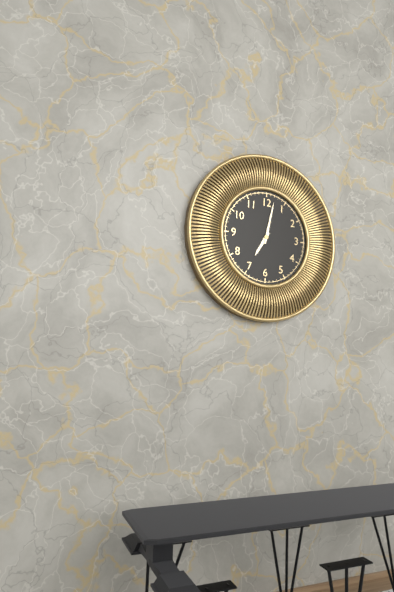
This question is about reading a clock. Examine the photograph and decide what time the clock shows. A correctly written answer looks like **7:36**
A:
**7:02**
